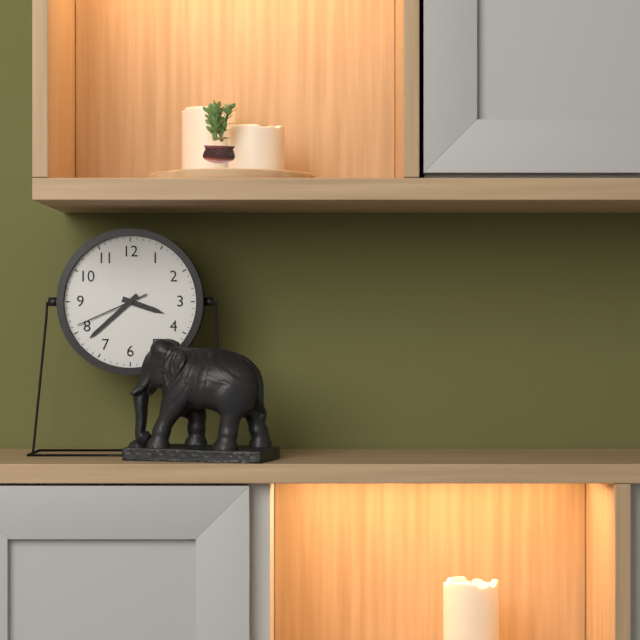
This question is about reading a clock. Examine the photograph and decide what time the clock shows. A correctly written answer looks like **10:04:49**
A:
**3:38:41**
